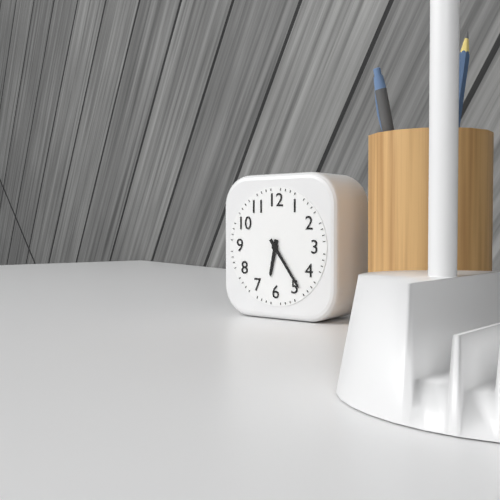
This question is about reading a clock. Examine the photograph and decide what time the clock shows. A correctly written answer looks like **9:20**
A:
**6:24**
